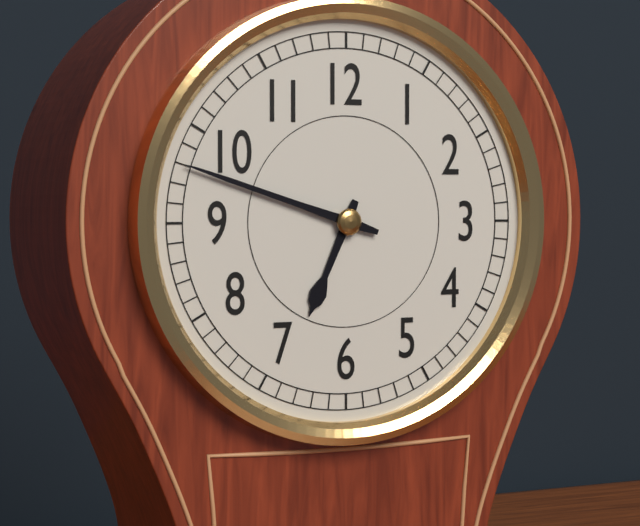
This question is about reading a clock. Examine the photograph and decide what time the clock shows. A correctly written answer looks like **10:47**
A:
**6:48**
